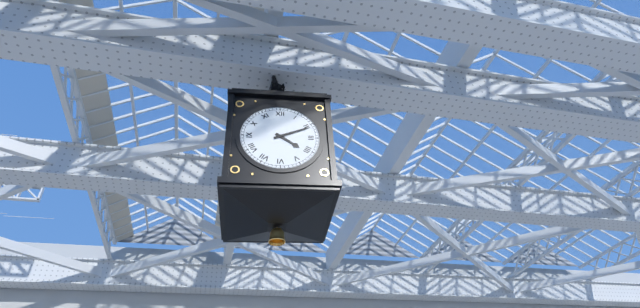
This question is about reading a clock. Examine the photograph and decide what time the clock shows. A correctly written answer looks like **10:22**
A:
**4:11**
